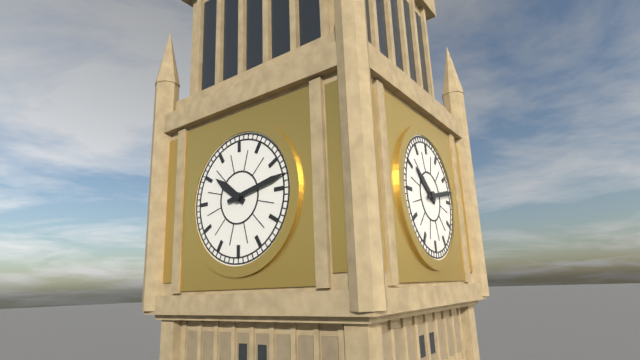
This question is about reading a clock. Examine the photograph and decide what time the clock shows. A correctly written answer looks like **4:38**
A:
**10:13**
